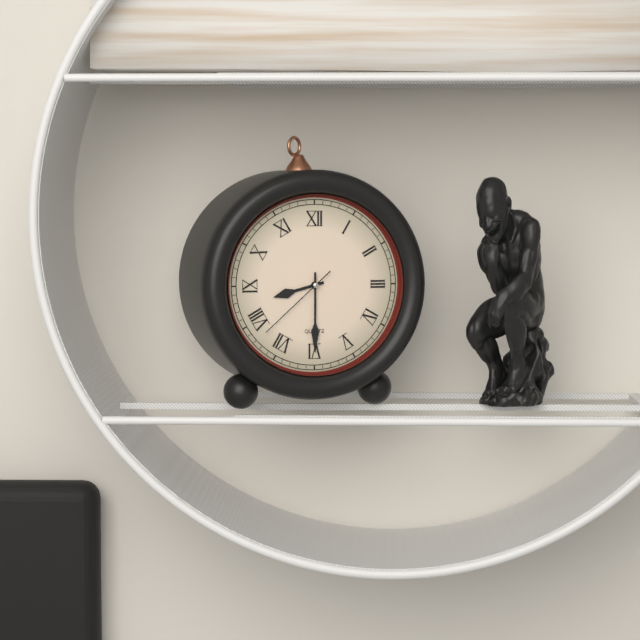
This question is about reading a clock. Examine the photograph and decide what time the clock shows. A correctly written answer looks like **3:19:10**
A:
**8:30:38**
